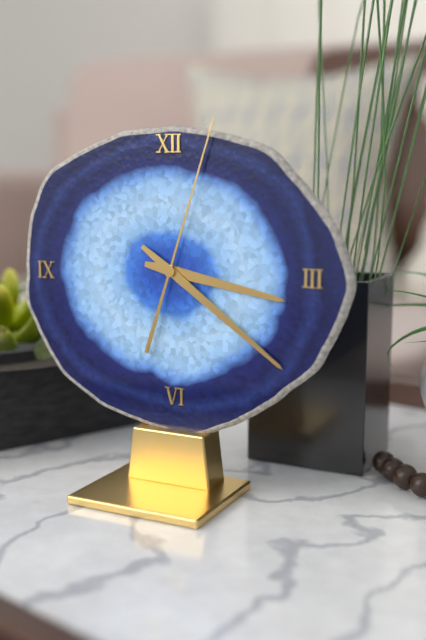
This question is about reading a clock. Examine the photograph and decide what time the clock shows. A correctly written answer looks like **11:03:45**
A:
**3:21:03**
